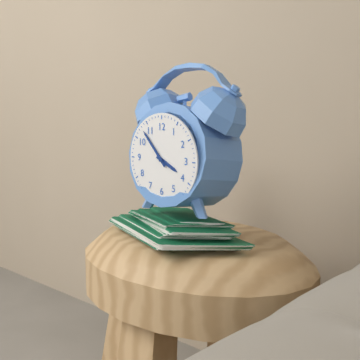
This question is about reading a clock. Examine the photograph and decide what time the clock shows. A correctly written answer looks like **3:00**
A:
**3:53**
